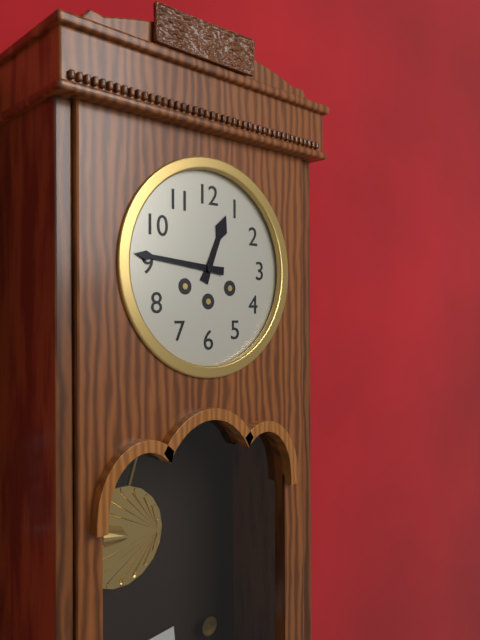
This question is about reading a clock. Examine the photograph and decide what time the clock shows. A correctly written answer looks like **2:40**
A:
**12:46**
